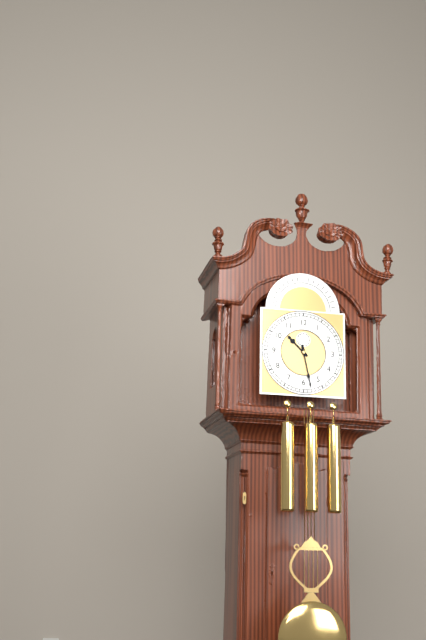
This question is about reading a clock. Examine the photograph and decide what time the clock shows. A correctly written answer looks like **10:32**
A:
**10:28**
